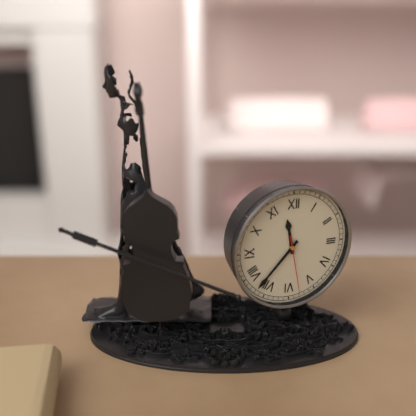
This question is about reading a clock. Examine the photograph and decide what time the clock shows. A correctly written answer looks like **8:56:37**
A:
**11:37:28**
